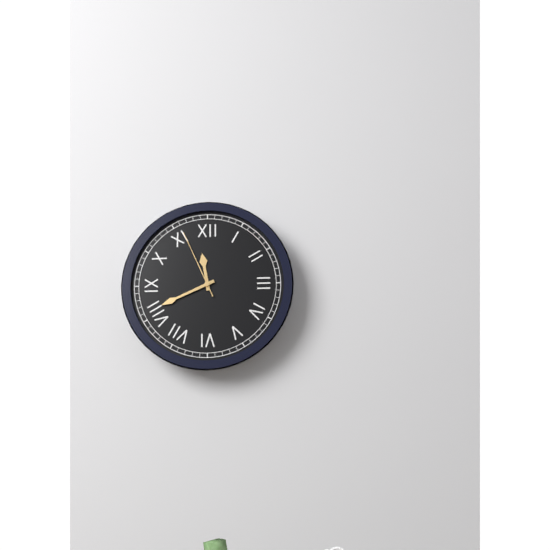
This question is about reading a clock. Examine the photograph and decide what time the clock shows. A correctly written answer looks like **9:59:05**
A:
**11:41:56**
